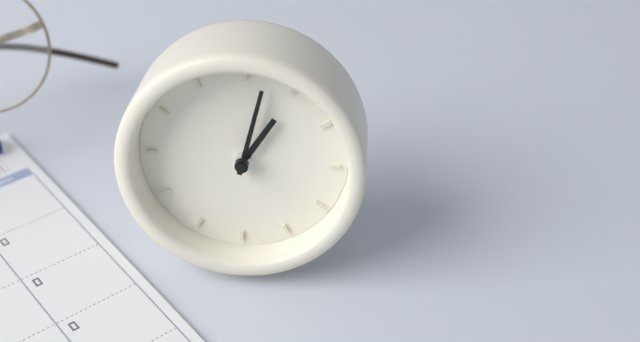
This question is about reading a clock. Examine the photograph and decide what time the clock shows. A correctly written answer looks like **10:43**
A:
**1:02**
